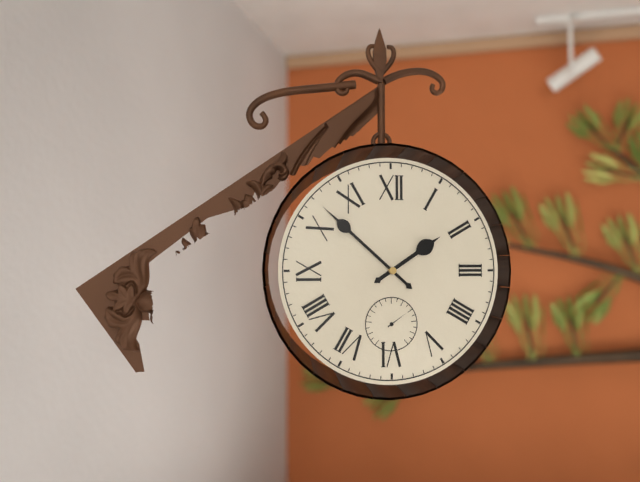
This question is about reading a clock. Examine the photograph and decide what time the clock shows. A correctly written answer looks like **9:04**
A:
**1:52**
